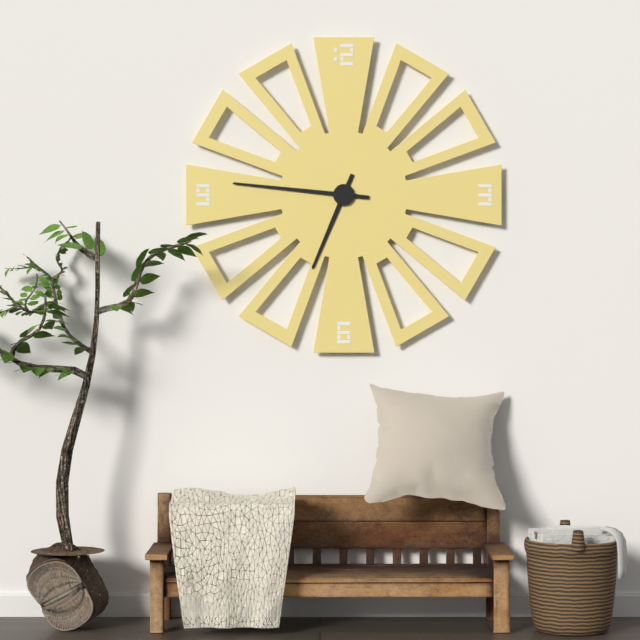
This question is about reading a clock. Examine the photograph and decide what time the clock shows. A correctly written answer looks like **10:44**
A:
**6:46**
